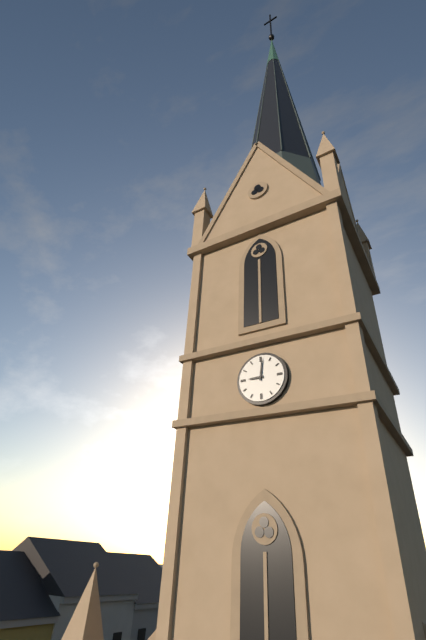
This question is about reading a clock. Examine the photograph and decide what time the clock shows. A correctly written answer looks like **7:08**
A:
**9:01**
